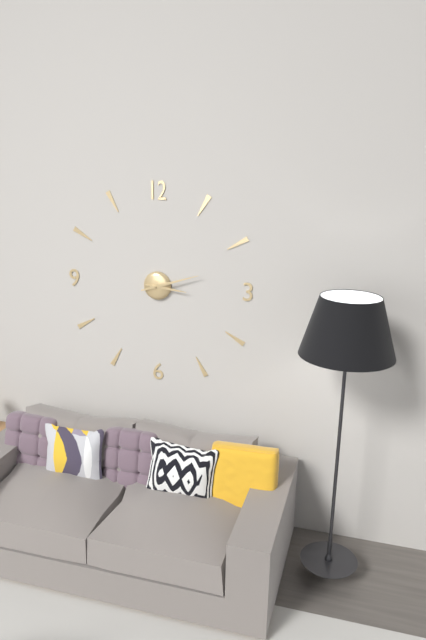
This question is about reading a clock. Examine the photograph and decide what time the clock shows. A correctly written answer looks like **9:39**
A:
**3:12**
